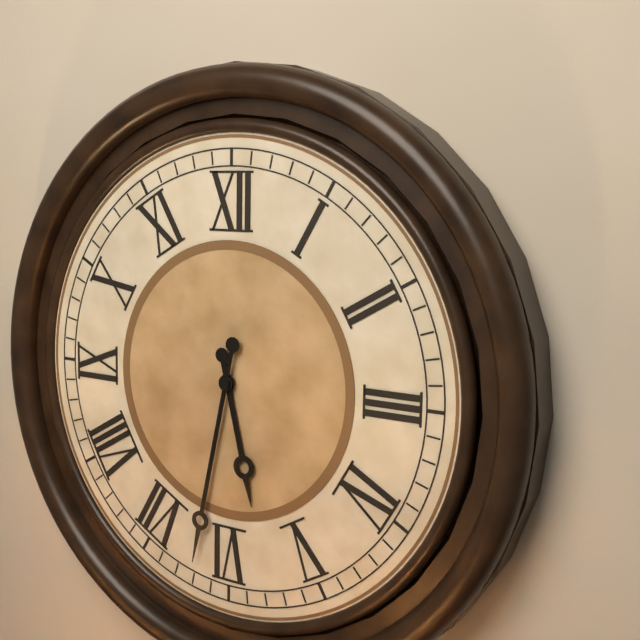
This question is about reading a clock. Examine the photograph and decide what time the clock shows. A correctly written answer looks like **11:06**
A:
**5:32**
